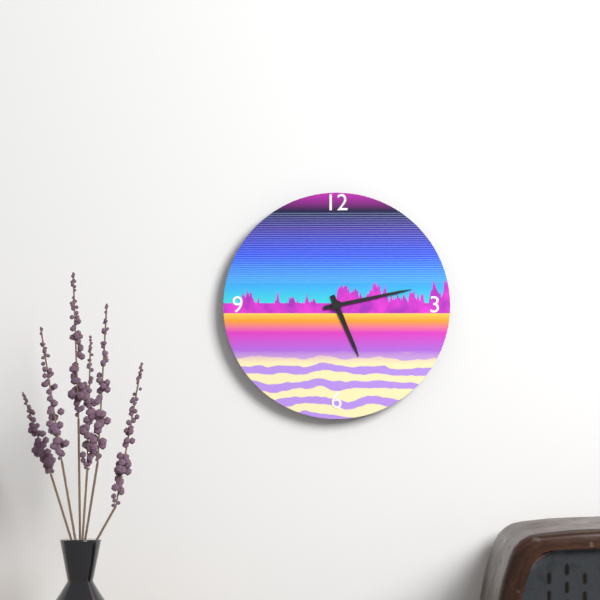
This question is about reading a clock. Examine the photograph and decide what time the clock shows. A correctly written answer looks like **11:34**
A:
**5:13**
